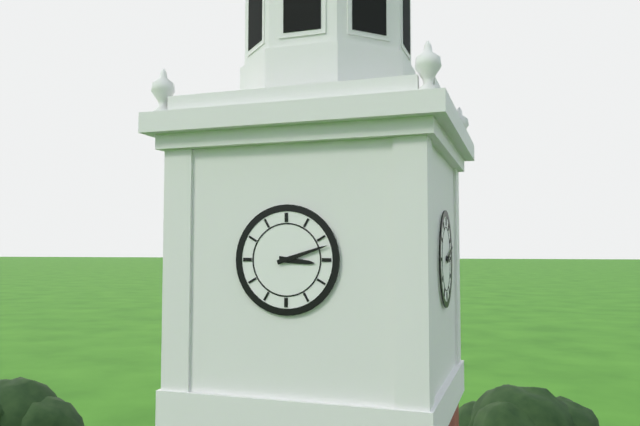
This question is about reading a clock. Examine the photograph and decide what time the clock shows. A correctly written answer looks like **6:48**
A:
**3:12**
